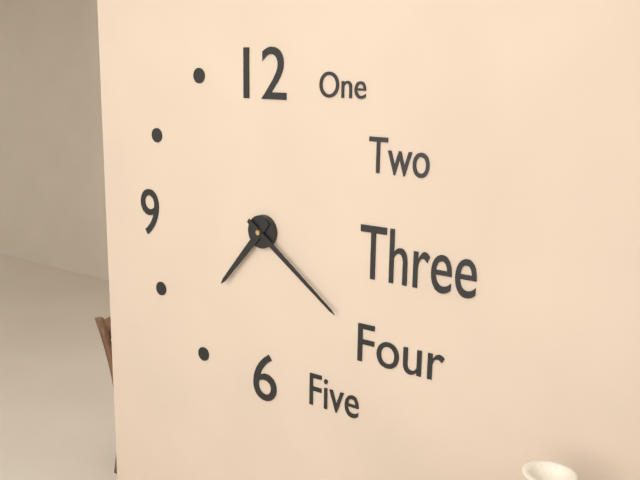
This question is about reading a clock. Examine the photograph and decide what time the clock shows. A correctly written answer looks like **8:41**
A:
**7:21**
